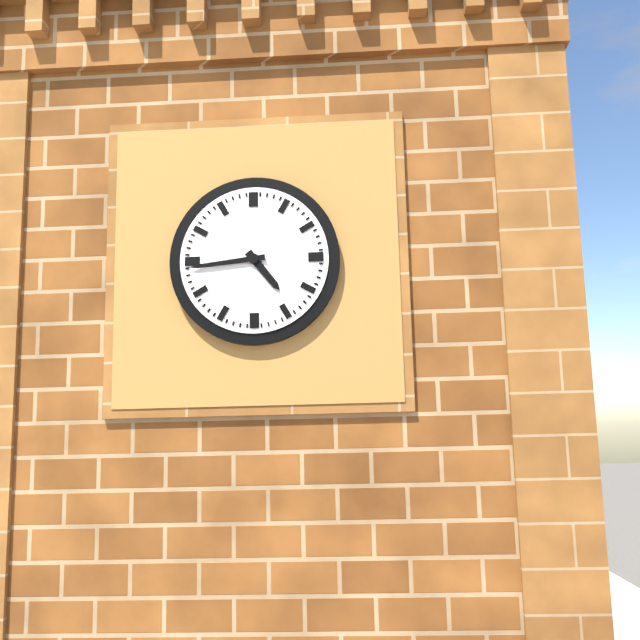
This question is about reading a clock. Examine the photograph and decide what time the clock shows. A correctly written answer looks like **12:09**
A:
**4:44**
